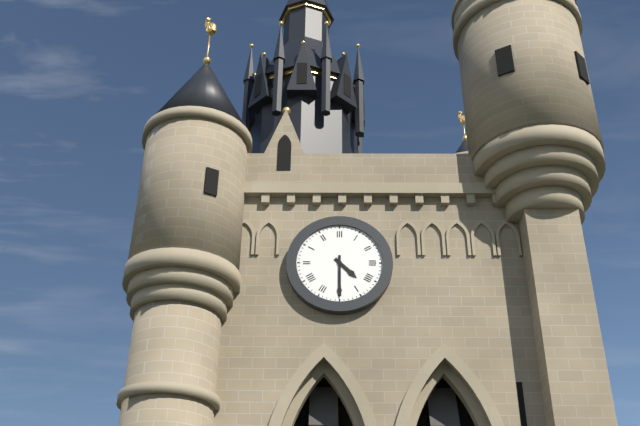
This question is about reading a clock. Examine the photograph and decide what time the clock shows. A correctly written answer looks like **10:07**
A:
**4:30**
